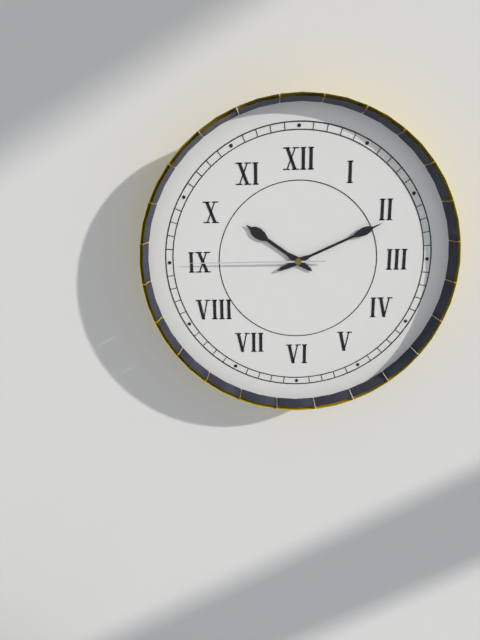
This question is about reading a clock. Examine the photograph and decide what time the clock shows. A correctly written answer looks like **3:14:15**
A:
**10:11:45**
